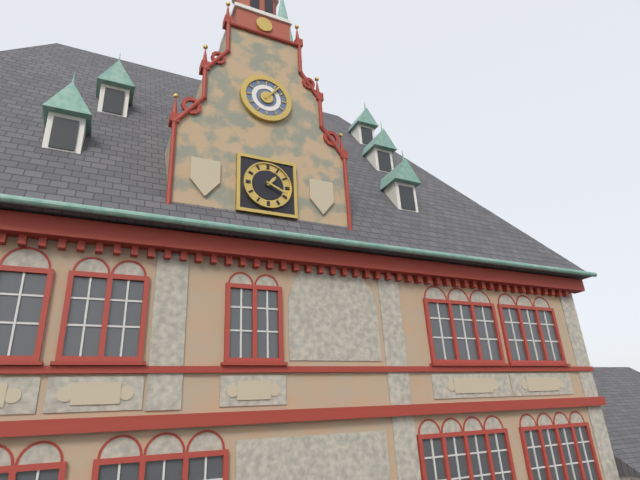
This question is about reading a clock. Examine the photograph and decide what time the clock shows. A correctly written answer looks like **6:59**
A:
**1:19**
